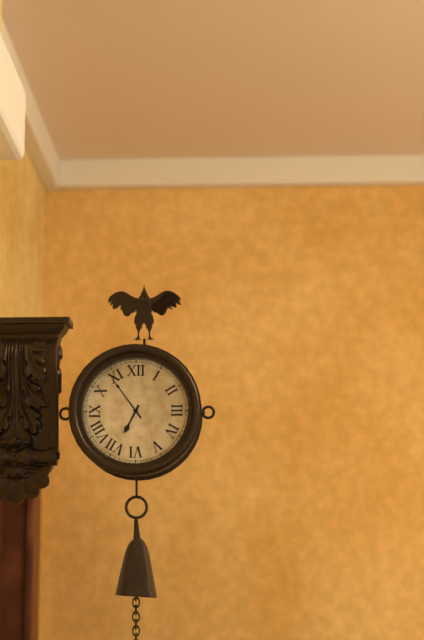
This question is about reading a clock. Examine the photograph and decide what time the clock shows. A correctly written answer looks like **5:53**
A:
**6:54**
